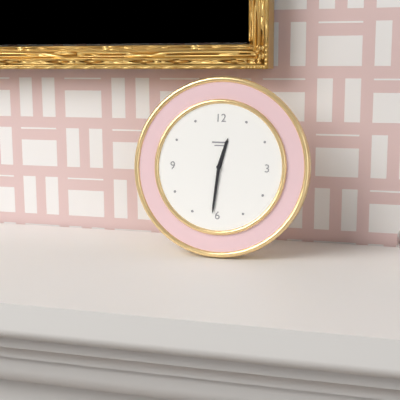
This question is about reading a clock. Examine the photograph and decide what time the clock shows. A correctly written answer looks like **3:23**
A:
**12:31**
